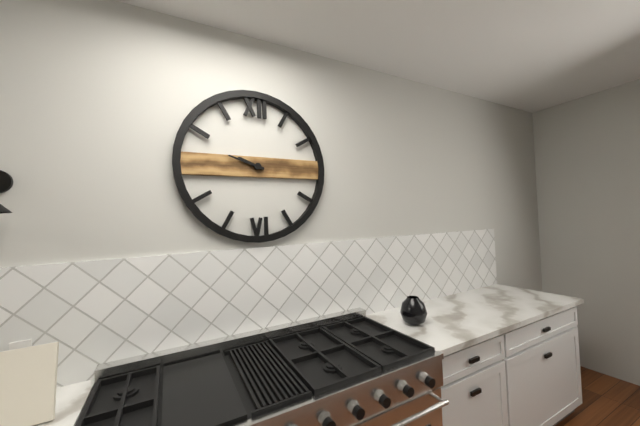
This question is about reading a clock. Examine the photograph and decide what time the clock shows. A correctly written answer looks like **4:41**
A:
**9:48**
